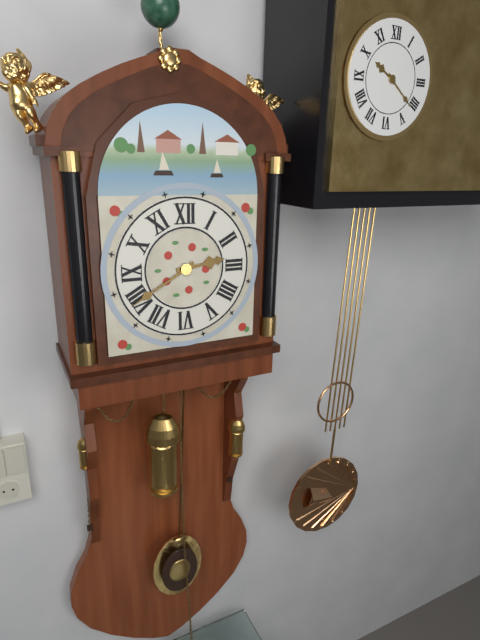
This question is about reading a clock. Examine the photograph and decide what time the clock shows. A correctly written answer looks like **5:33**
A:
**2:40**
